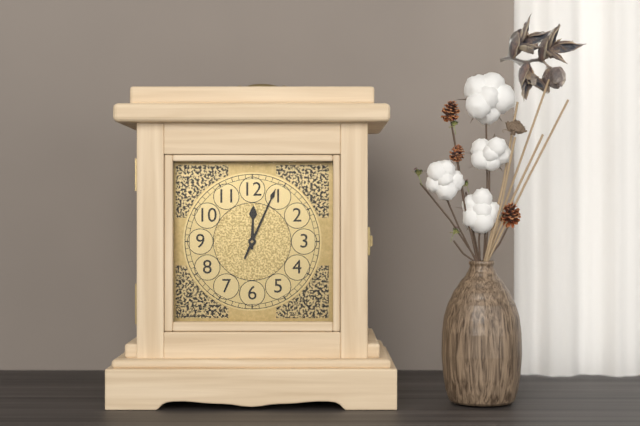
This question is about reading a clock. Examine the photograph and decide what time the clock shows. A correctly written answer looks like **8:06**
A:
**12:04**
